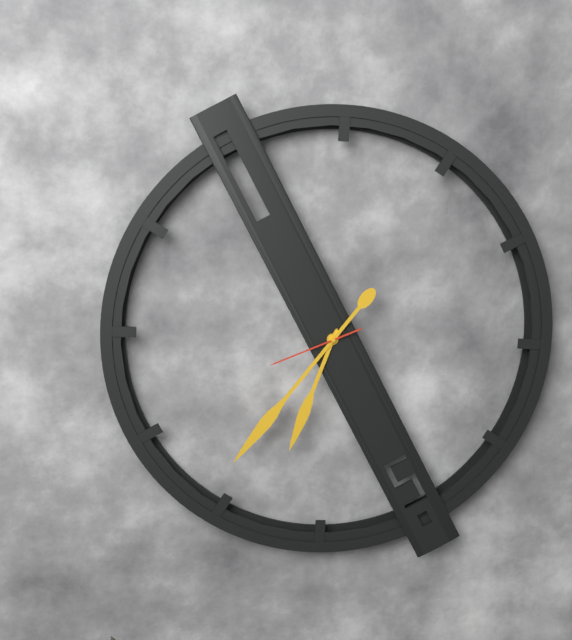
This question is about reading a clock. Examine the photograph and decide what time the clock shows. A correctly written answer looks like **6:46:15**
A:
**6:36:41**
